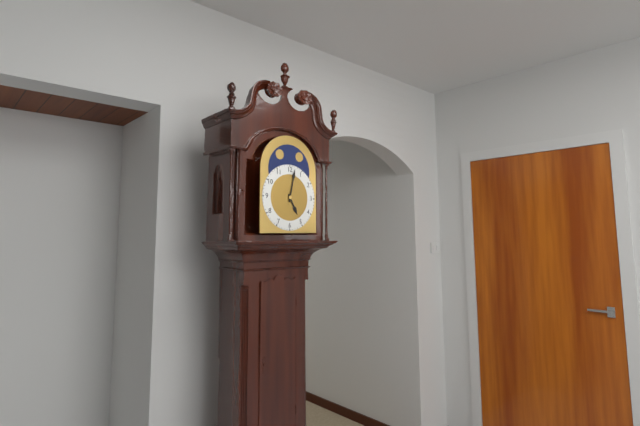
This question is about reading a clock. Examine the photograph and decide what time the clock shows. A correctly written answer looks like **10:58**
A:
**5:02**
